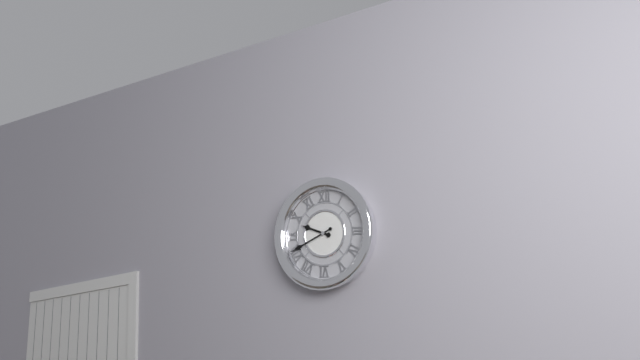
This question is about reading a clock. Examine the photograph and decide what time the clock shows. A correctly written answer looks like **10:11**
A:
**9:41**
